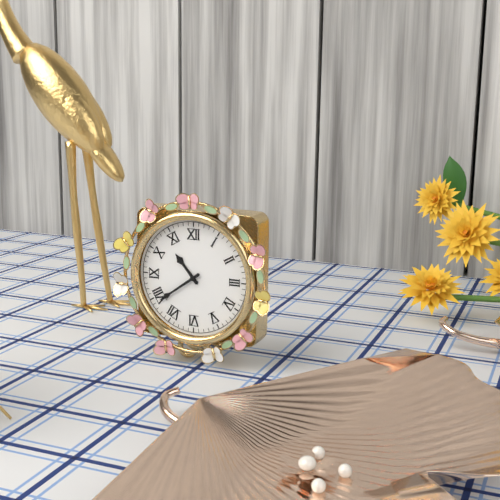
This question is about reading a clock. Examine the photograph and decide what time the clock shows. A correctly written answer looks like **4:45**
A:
**10:39**
